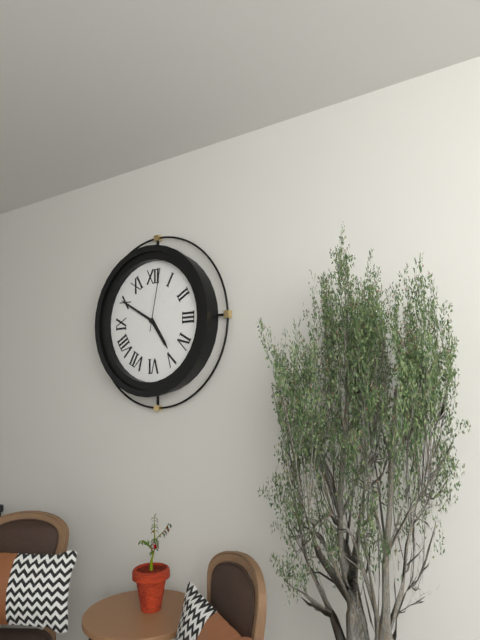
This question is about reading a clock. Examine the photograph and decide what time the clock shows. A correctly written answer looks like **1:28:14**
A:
**4:50:02**
